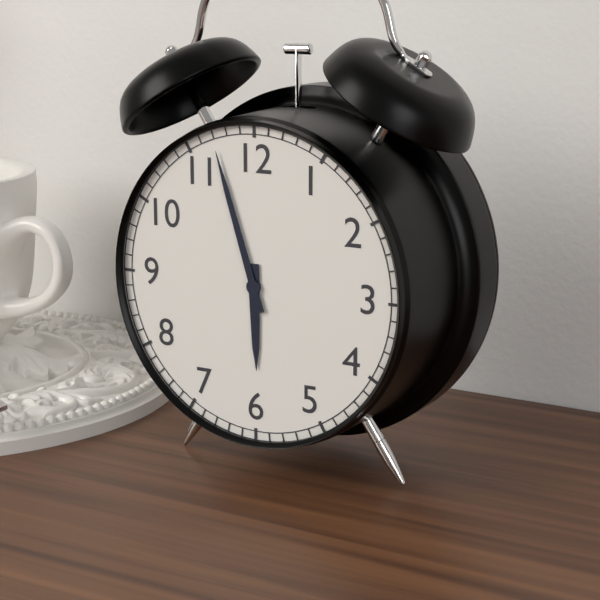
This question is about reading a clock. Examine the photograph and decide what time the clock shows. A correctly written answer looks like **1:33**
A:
**5:57**
